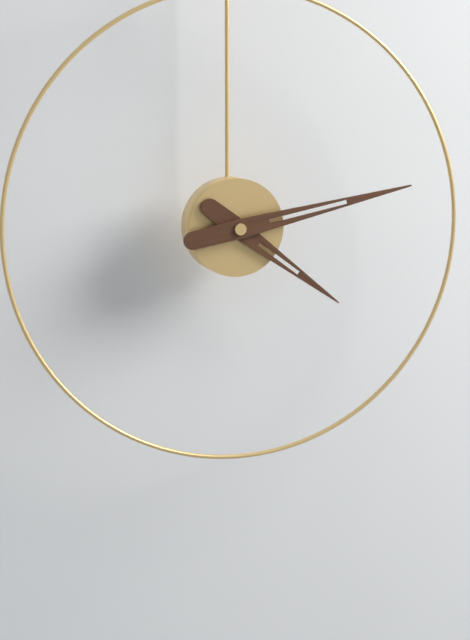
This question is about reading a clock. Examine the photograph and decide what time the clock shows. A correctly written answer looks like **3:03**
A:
**4:13**
